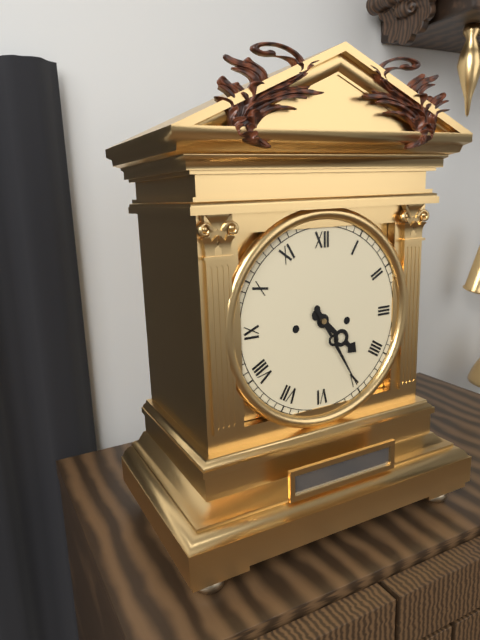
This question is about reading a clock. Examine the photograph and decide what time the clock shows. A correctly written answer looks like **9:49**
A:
**4:25**
